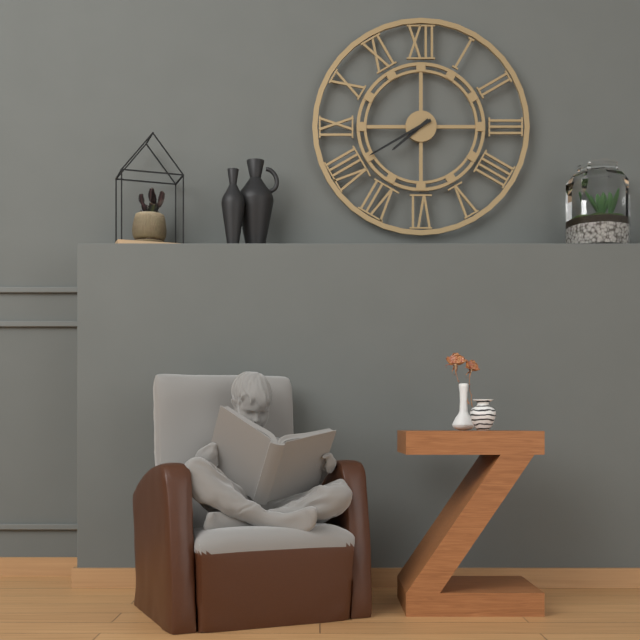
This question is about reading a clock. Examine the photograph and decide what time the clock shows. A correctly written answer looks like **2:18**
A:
**7:40**
